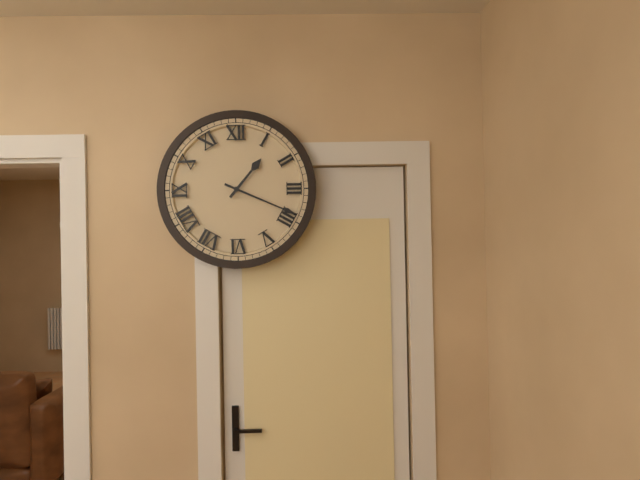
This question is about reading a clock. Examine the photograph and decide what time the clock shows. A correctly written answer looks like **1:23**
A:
**1:19**
